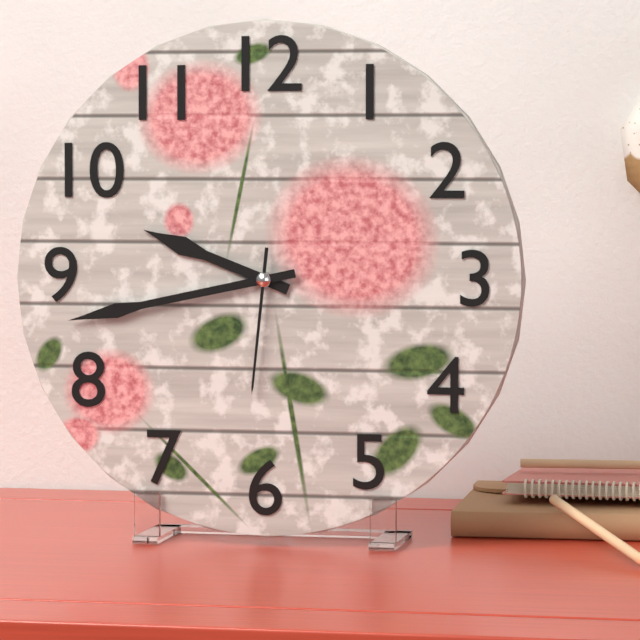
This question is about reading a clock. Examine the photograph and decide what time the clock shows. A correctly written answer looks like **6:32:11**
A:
**9:43:31**
